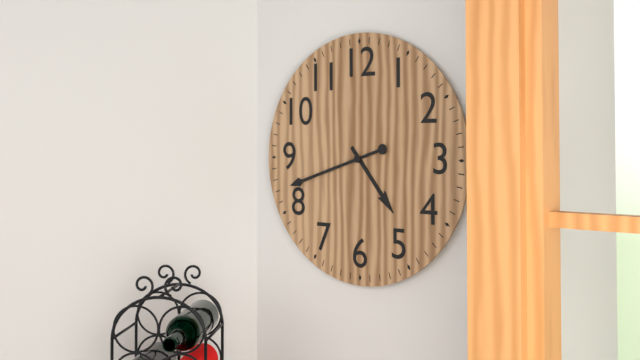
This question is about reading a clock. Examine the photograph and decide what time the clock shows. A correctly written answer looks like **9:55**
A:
**4:42**
